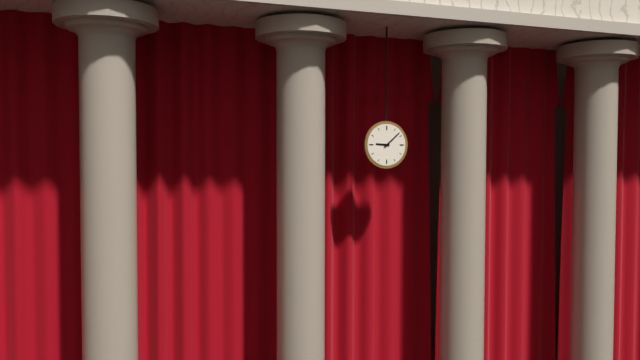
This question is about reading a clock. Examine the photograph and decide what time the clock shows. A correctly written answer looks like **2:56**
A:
**9:08**
